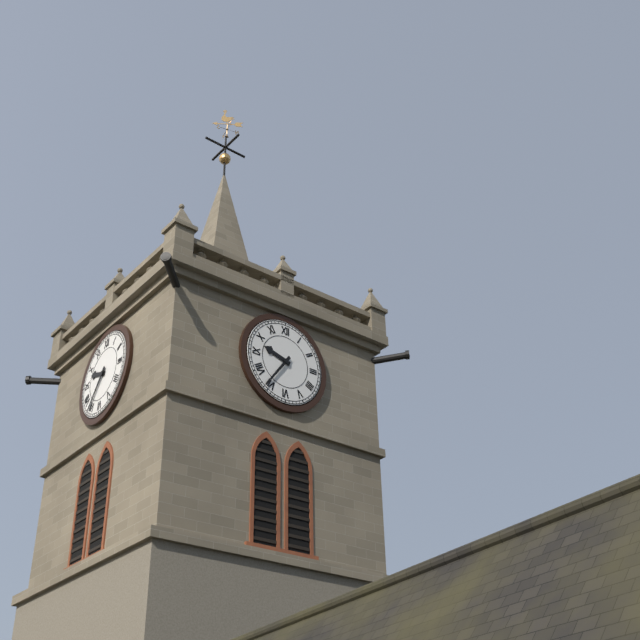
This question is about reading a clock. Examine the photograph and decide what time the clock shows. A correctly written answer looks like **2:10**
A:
**9:36**
